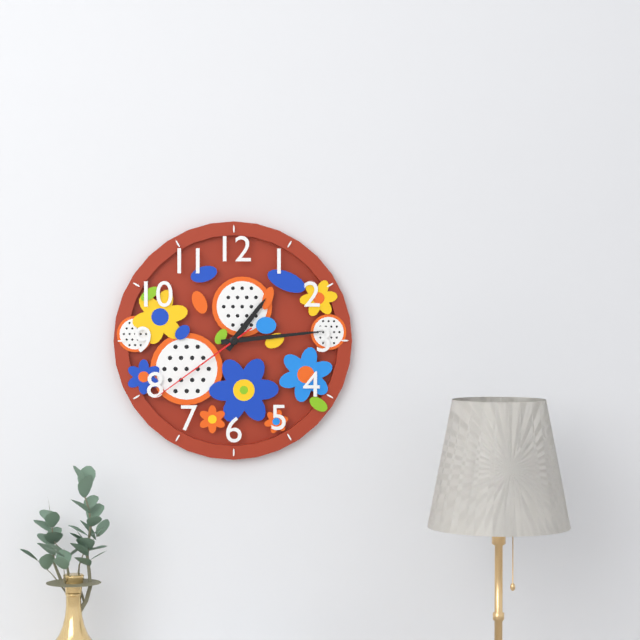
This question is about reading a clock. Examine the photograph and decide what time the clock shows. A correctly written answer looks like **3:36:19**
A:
**1:14:39**
